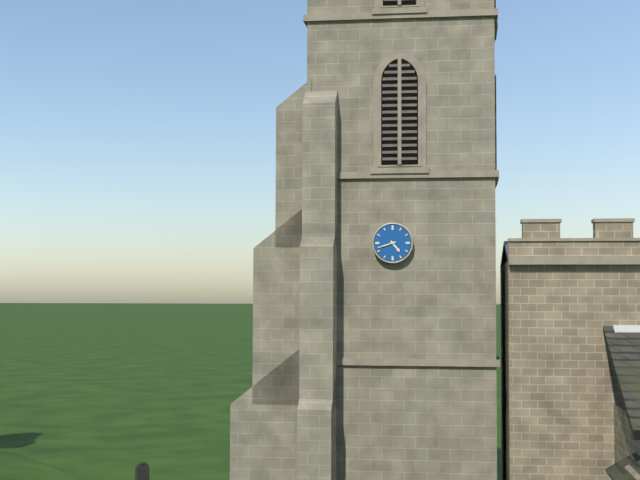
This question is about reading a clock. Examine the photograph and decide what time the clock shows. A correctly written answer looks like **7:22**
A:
**4:42**
